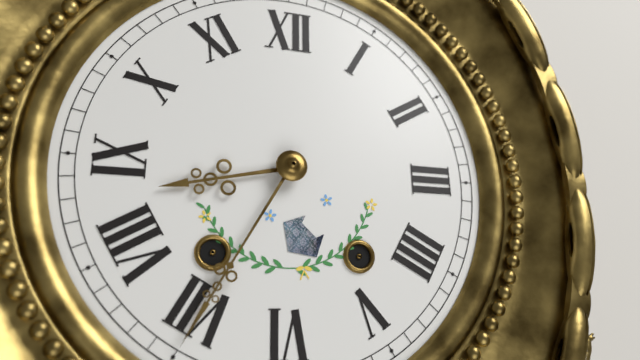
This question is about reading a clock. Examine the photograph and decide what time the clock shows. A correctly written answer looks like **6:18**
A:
**8:35**
